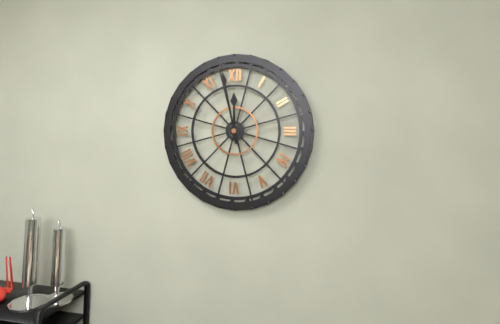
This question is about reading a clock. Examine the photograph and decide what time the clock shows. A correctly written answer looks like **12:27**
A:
**11:58**
